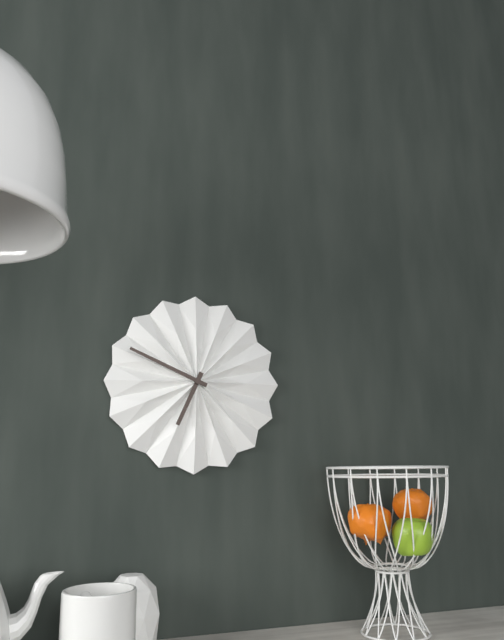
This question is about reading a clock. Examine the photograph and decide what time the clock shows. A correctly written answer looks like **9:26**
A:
**6:49**
